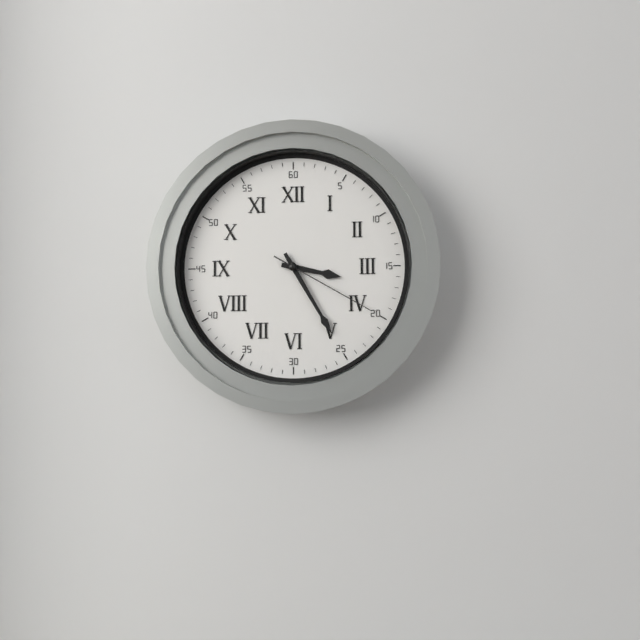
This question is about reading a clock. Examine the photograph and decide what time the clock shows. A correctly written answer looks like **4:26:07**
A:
**3:25:20**
